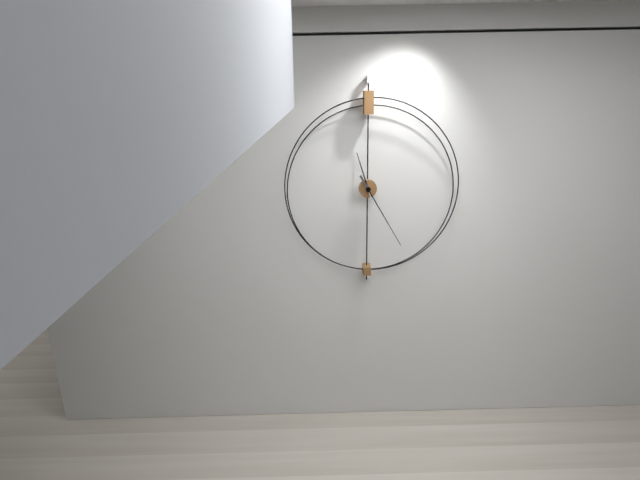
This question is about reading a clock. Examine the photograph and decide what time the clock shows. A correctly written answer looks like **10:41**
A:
**11:25**
